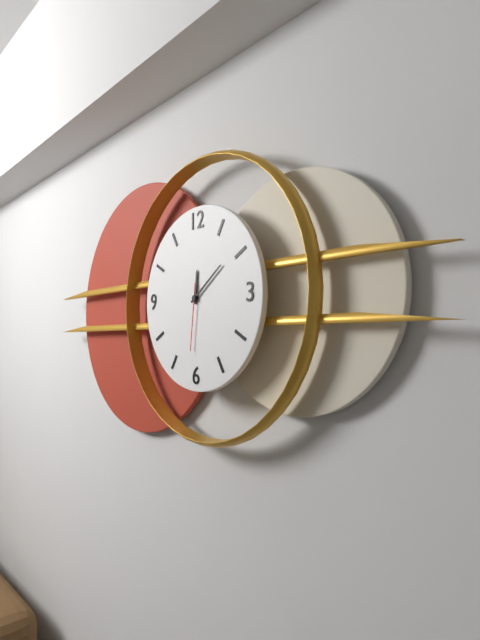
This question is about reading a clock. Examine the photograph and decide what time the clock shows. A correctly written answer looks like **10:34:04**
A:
**12:09:31**
